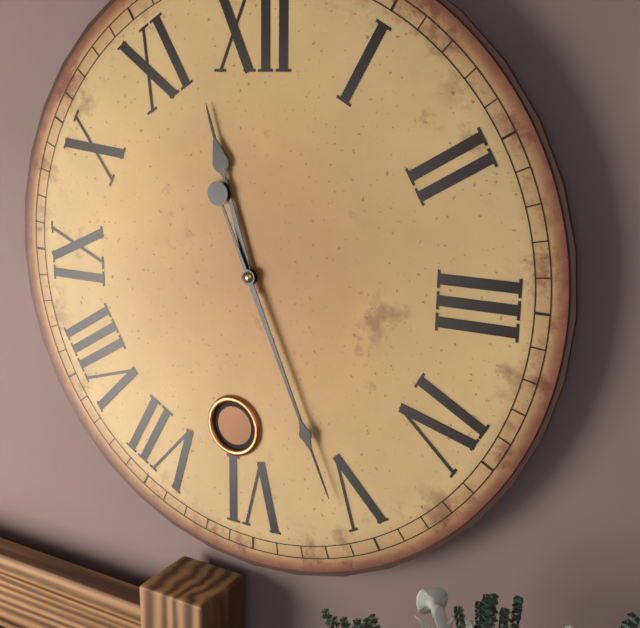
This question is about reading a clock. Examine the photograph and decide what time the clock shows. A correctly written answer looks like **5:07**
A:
**11:26**
